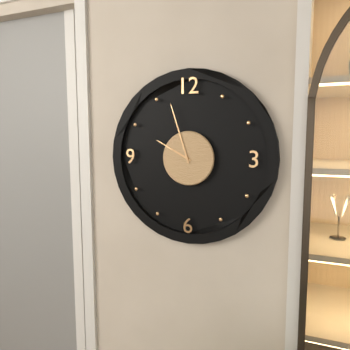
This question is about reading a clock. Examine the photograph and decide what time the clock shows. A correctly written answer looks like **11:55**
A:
**9:57**
